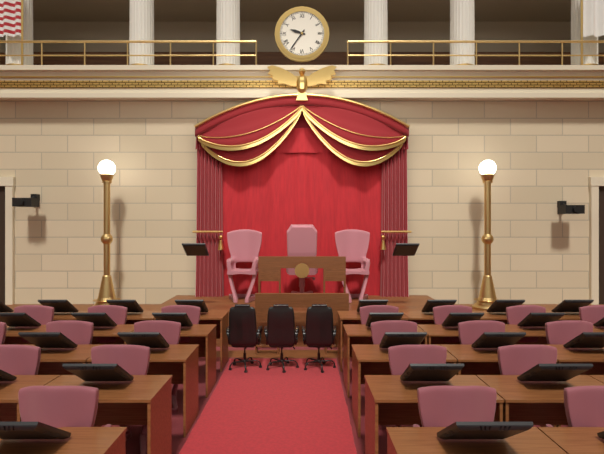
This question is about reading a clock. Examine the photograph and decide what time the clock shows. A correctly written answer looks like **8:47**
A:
**9:36**
